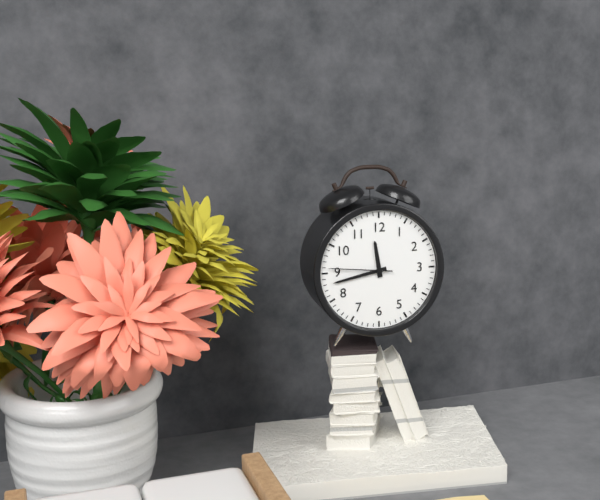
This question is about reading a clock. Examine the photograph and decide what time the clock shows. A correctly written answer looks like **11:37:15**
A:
**11:43:46**
